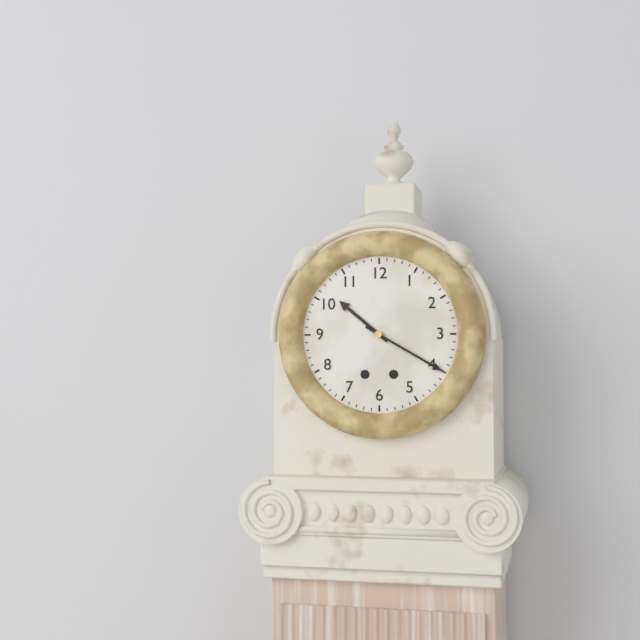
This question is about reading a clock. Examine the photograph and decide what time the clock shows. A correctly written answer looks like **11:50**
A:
**10:20**
